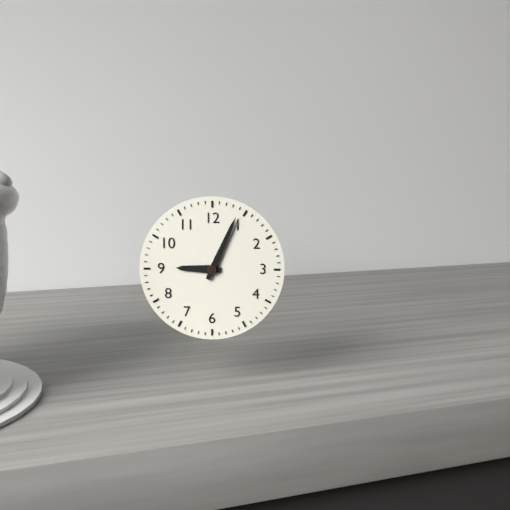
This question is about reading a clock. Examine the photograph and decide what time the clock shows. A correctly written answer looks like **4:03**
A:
**9:04**
